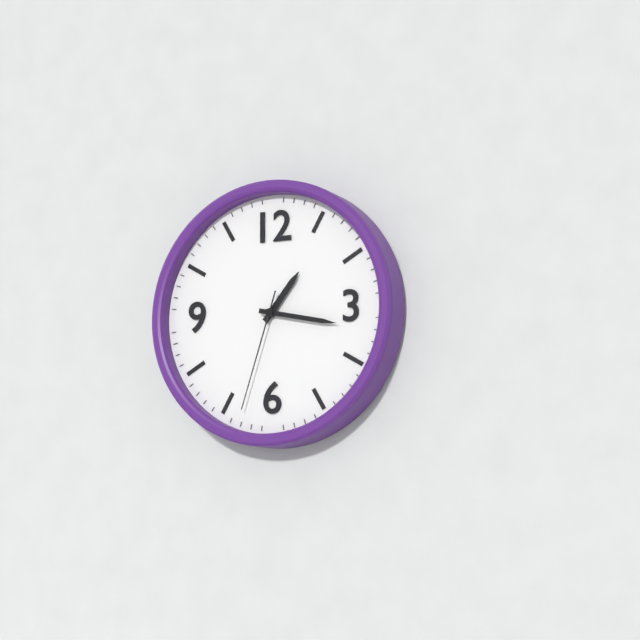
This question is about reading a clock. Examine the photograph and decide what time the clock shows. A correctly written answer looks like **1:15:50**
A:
**1:17:33**
